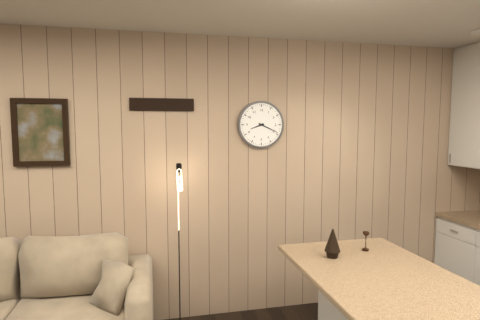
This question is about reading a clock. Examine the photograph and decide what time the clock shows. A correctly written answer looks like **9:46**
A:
**8:19**
